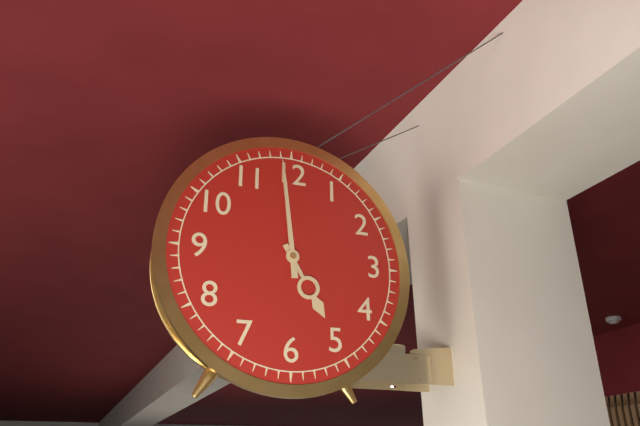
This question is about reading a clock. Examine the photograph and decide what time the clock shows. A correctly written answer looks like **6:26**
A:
**4:59**
